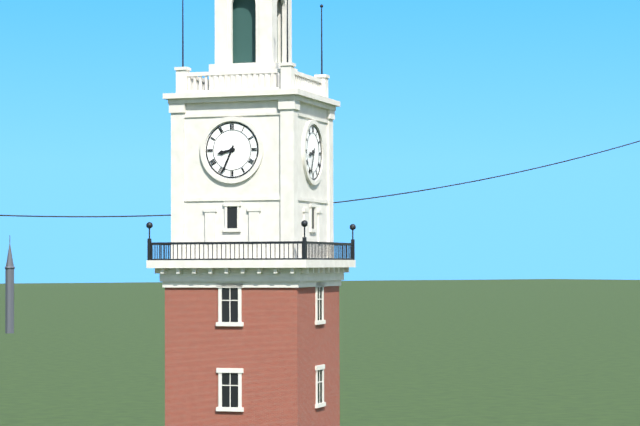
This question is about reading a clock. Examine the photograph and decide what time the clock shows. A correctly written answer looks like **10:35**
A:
**8:34**
